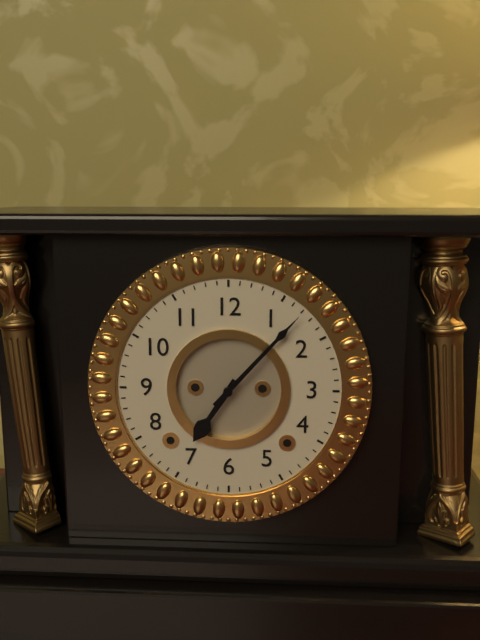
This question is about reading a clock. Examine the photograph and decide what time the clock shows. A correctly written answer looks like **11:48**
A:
**7:07**
